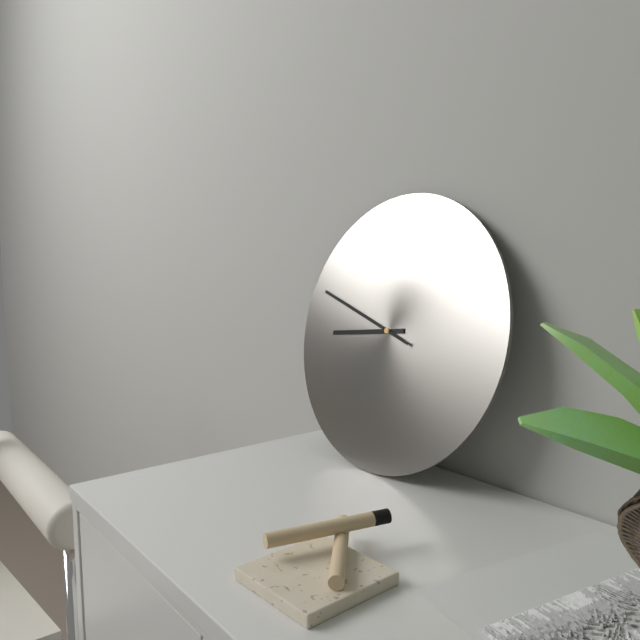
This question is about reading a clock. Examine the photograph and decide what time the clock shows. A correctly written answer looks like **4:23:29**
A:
**8:48:48**
